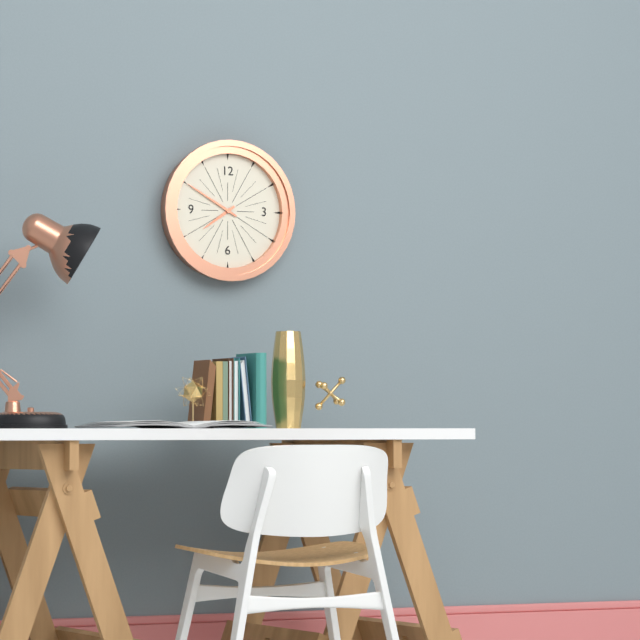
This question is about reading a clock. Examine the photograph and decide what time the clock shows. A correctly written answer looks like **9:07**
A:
**7:50**
